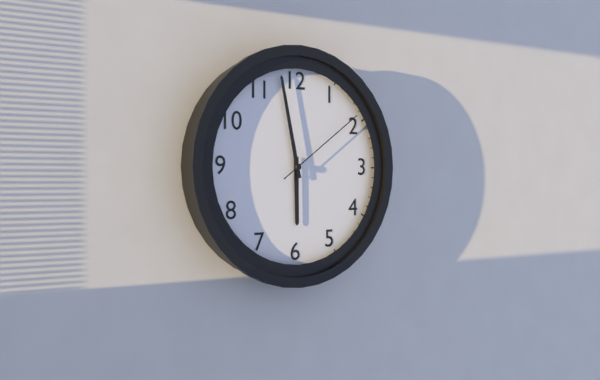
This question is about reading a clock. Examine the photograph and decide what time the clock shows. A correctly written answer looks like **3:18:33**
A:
**5:58:09**
